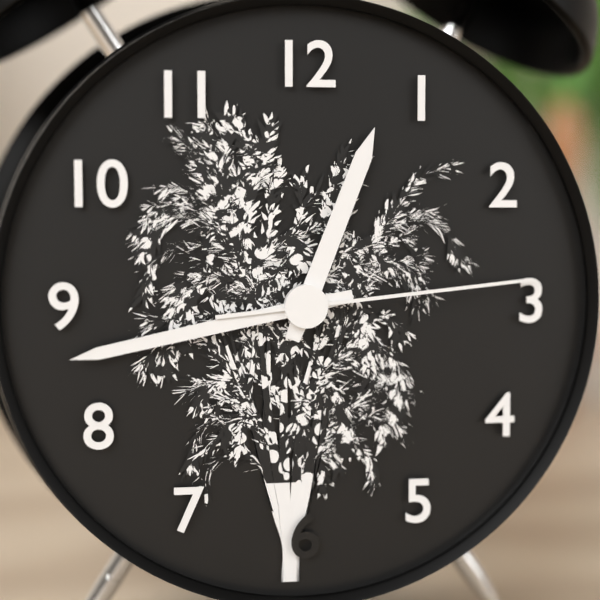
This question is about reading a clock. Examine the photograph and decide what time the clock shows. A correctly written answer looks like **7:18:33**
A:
**12:43:14**
